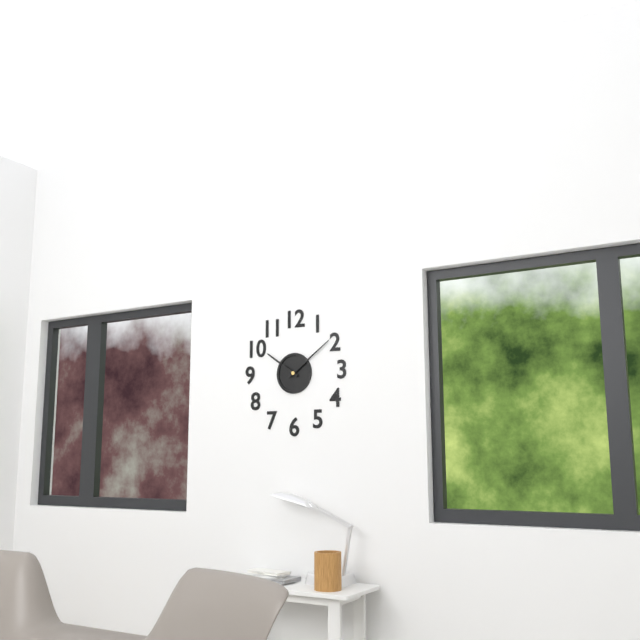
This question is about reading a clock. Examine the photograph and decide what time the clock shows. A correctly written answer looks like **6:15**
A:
**10:09**
